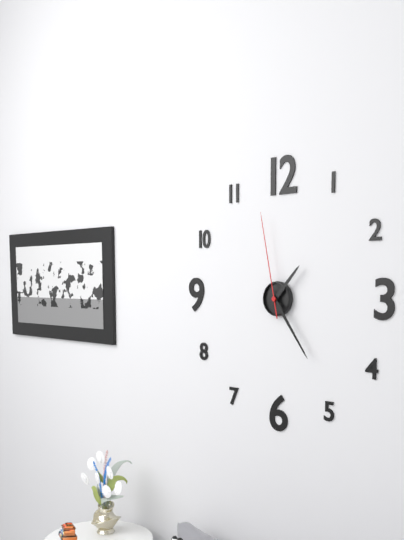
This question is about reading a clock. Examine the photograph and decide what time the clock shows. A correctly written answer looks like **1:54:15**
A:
**1:24:58**
